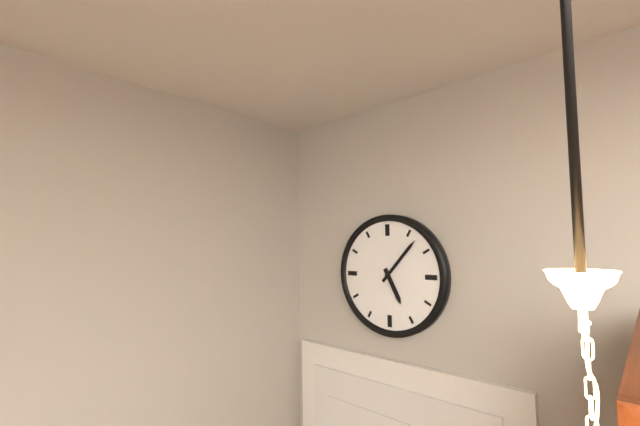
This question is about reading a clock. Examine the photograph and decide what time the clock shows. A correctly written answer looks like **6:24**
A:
**5:07**
